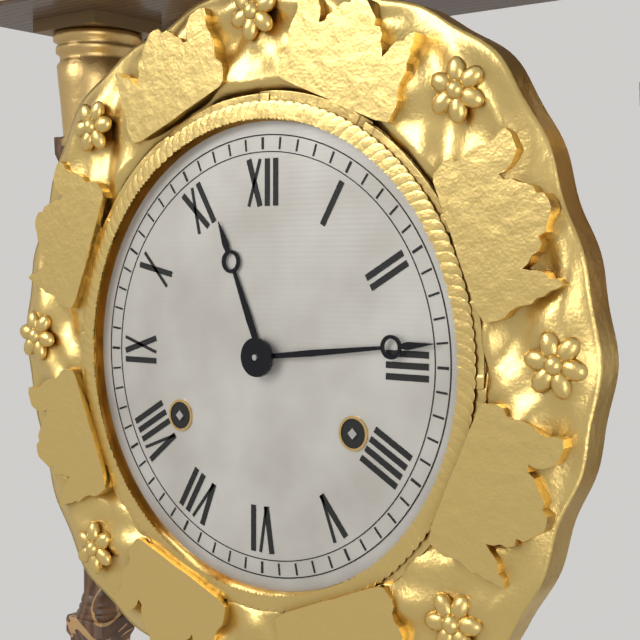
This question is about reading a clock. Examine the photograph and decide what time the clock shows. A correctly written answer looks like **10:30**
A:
**11:14**
